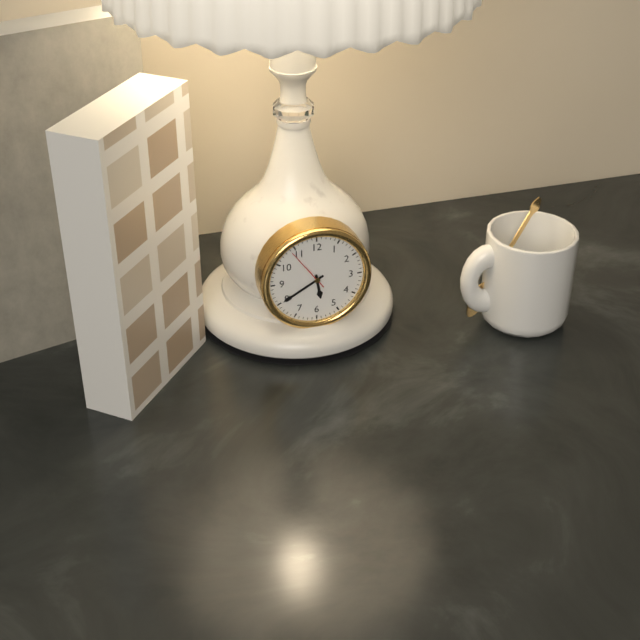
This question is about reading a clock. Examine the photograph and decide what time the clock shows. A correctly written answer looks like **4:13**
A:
**5:40**
